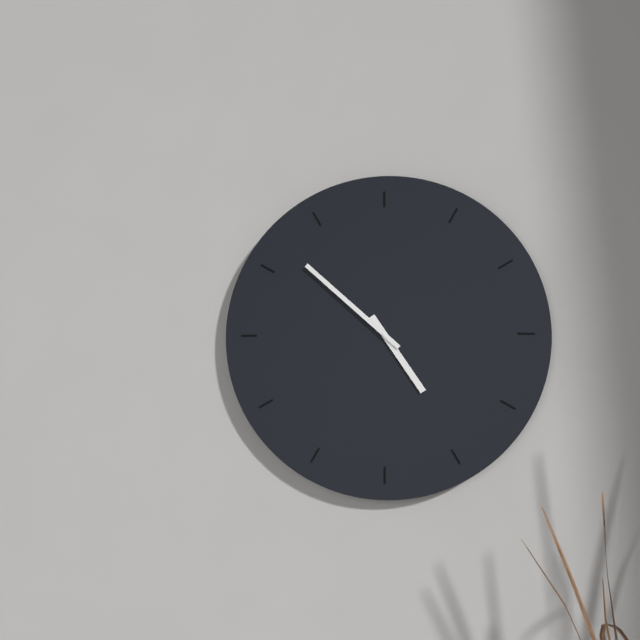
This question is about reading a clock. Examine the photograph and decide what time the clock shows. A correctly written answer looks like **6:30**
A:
**4:52**
